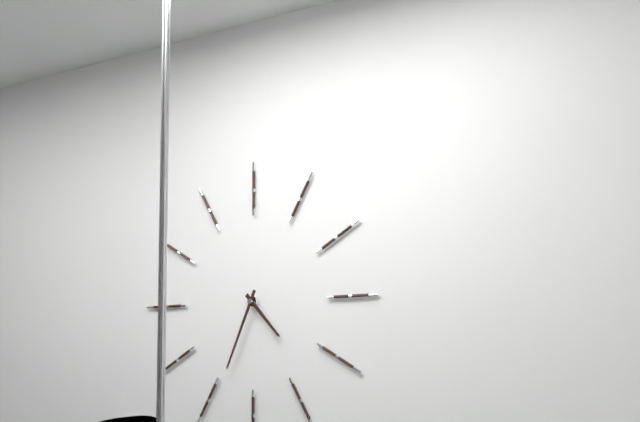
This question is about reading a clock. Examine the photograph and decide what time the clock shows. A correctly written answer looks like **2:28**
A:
**4:34**
